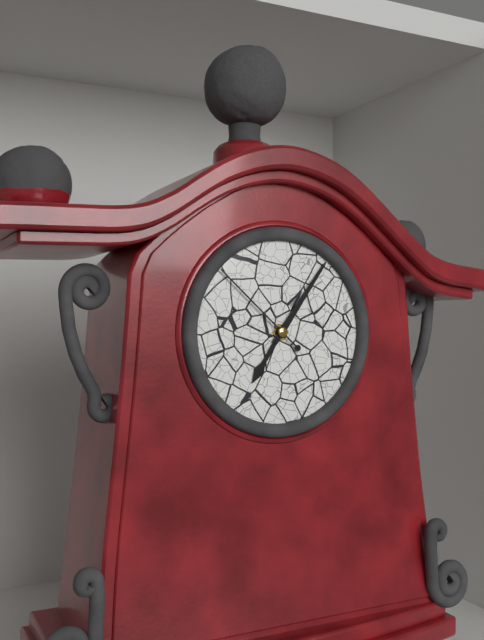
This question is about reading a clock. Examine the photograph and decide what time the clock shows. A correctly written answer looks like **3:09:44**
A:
**7:06:52**
